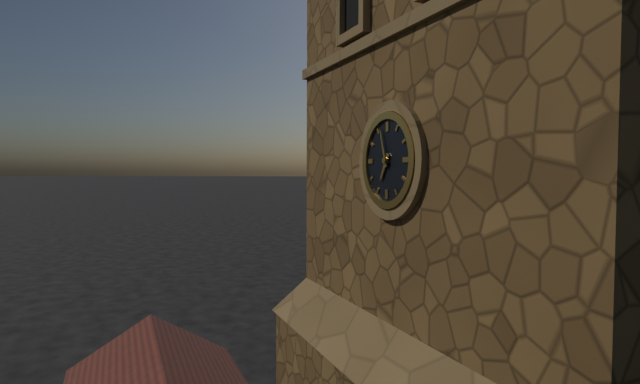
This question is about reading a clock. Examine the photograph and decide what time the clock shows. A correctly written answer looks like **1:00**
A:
**6:57**
